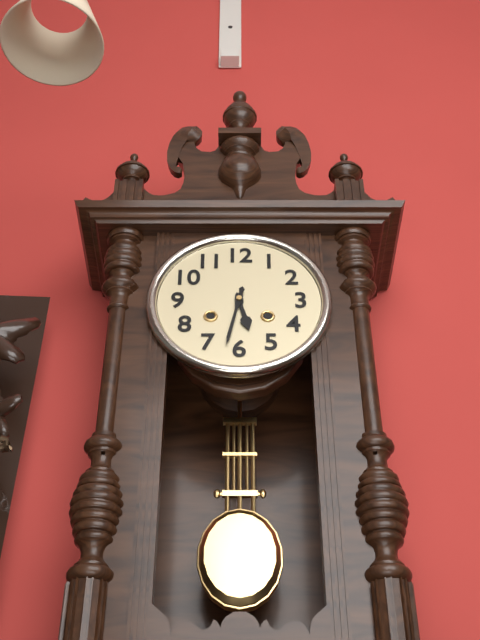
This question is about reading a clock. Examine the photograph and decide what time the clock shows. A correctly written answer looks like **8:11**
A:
**5:32**
